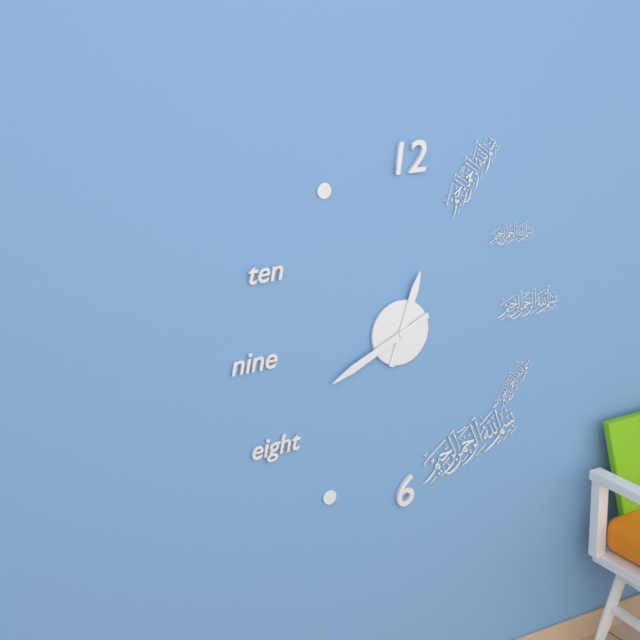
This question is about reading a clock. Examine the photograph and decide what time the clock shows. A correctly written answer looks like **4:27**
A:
**12:41**
